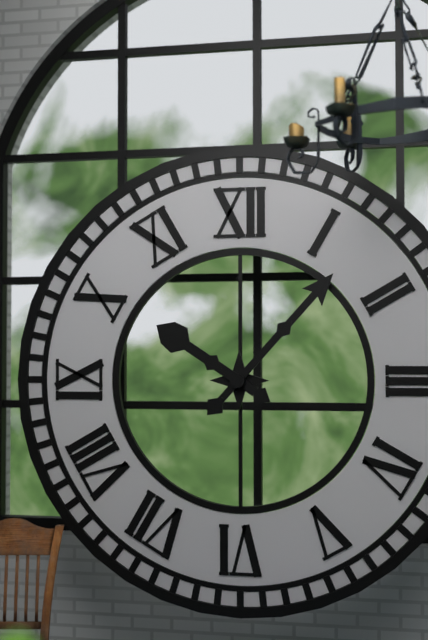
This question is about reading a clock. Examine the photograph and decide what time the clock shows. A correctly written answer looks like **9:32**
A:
**10:07**
